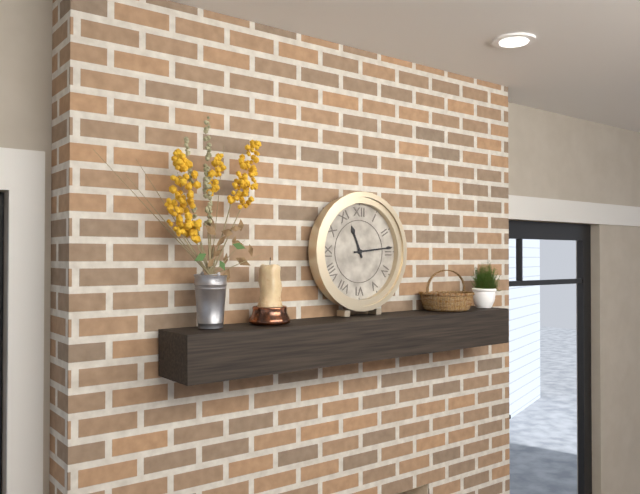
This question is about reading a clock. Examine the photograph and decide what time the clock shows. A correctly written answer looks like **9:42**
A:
**11:14**
